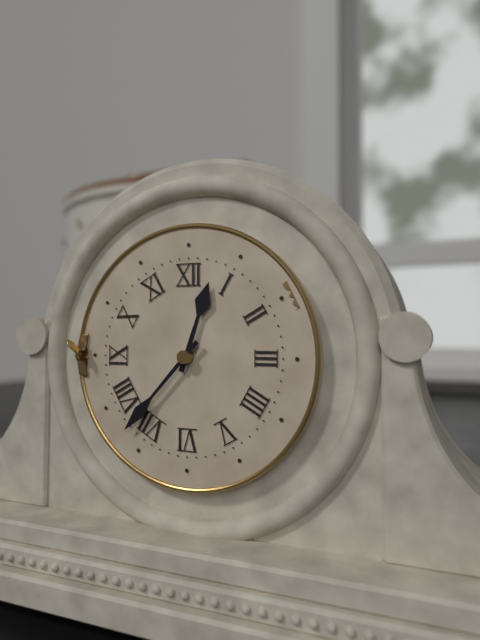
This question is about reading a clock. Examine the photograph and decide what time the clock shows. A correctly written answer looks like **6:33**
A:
**12:37**
